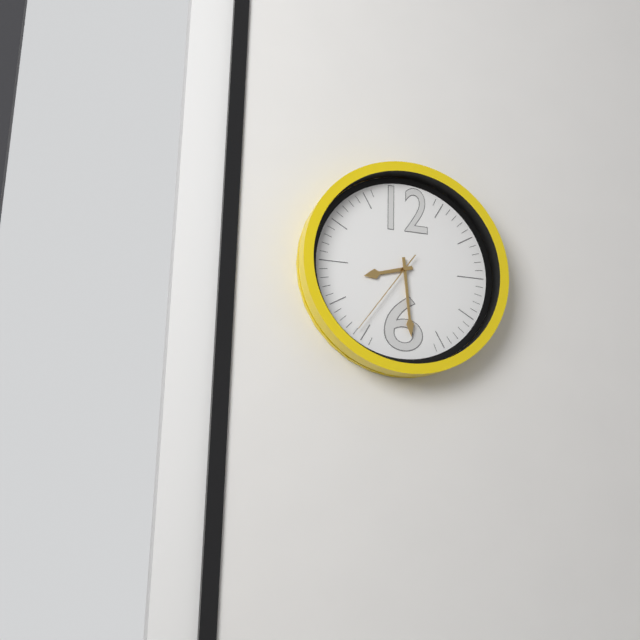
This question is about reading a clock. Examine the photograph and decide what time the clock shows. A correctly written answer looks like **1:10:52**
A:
**8:29:36**
